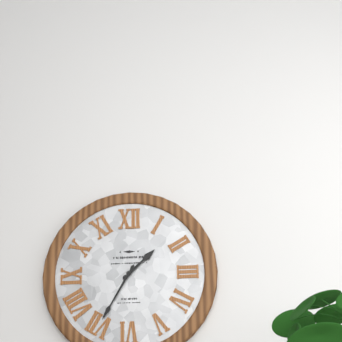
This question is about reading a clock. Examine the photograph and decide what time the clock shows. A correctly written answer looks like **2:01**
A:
**1:35**
